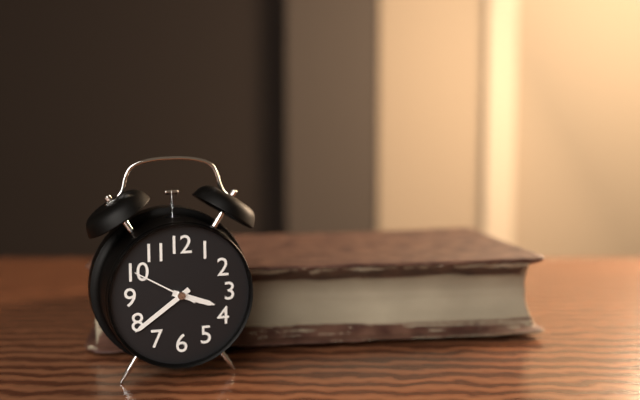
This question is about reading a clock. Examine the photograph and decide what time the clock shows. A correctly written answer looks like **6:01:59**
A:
**3:39:50**
